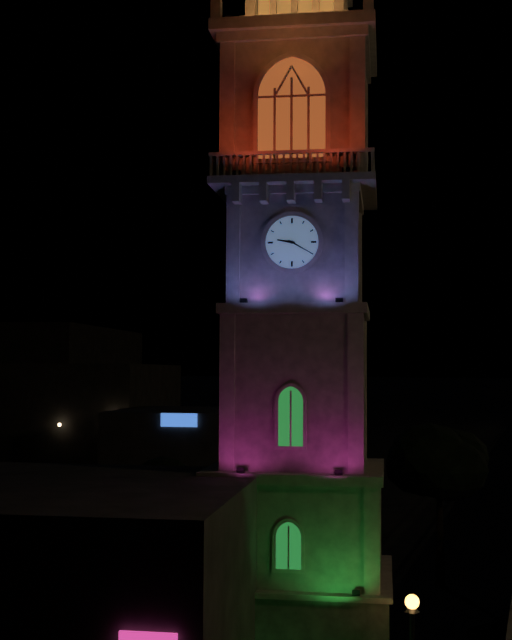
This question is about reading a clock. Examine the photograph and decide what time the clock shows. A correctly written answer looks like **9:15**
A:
**9:20**
